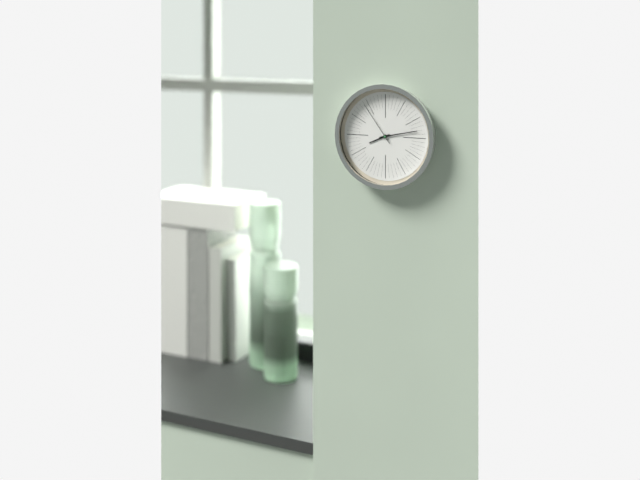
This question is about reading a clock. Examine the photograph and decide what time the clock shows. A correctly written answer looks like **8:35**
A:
**8:13**
